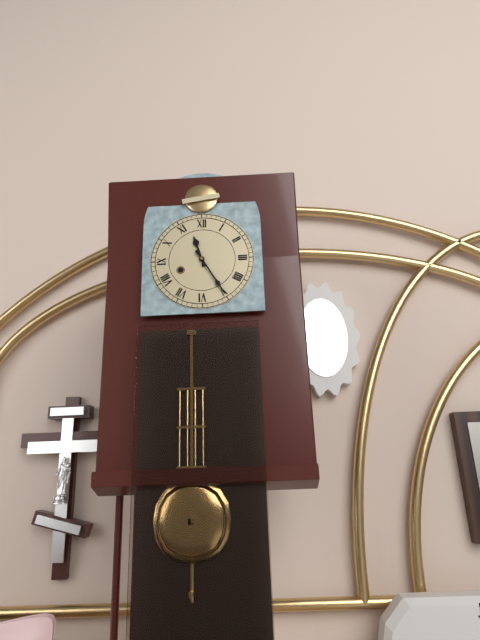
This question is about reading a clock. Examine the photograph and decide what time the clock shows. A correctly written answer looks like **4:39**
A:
**11:25**
